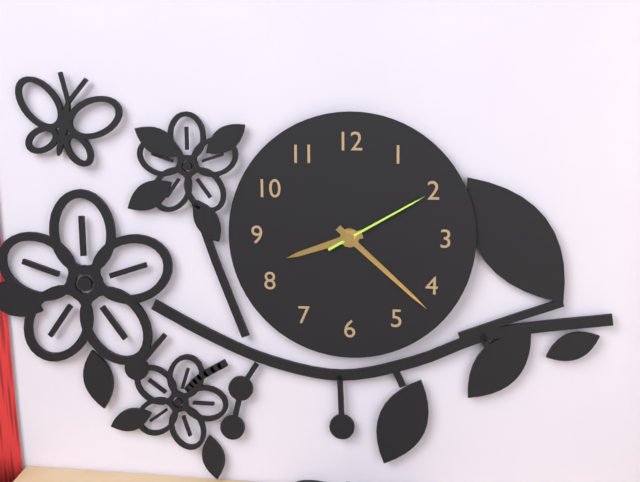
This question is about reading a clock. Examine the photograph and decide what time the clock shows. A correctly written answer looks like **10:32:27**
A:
**8:22:10**
